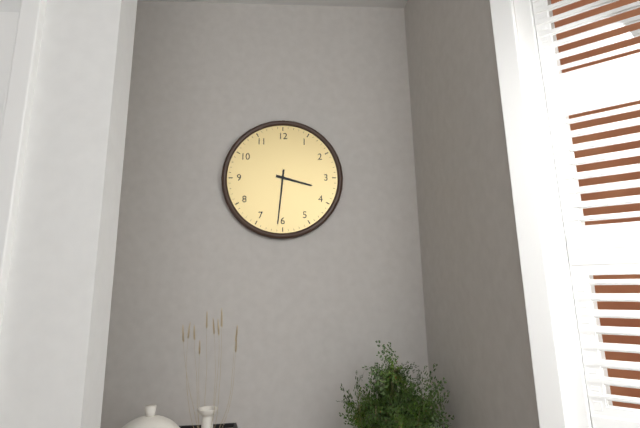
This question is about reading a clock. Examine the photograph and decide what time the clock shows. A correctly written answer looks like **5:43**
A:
**3:31**
